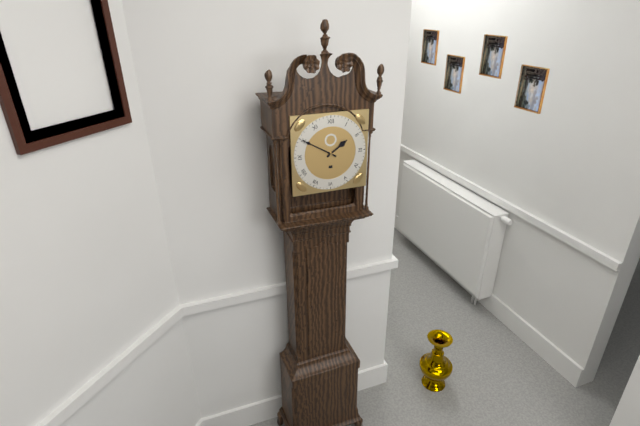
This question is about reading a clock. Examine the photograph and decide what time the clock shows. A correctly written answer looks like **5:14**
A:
**1:50**
